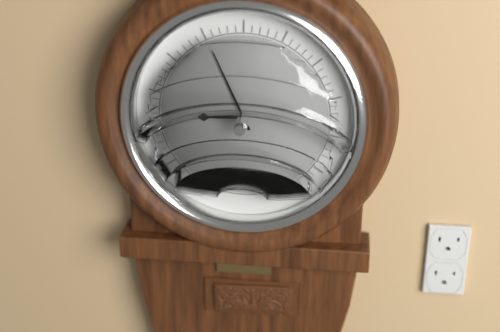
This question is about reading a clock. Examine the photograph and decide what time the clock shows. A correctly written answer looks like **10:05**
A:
**8:56**
